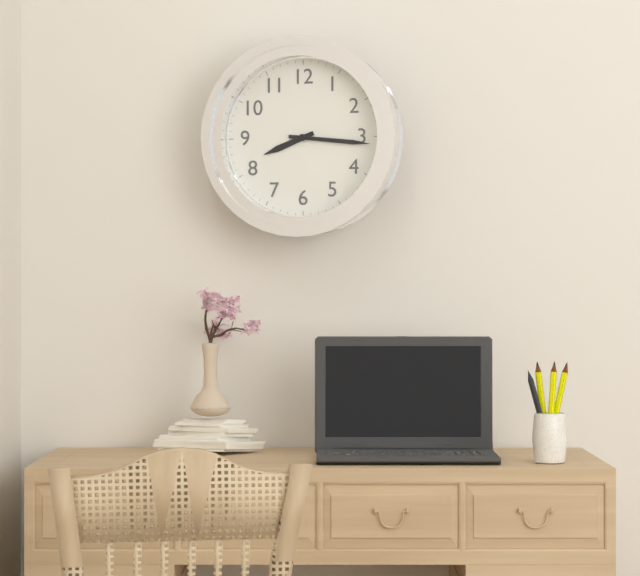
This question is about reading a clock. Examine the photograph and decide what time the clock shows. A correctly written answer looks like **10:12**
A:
**8:16**
